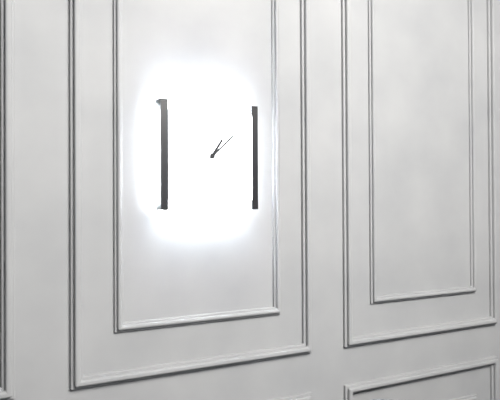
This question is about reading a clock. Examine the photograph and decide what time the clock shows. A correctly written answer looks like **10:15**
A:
**1:08**
